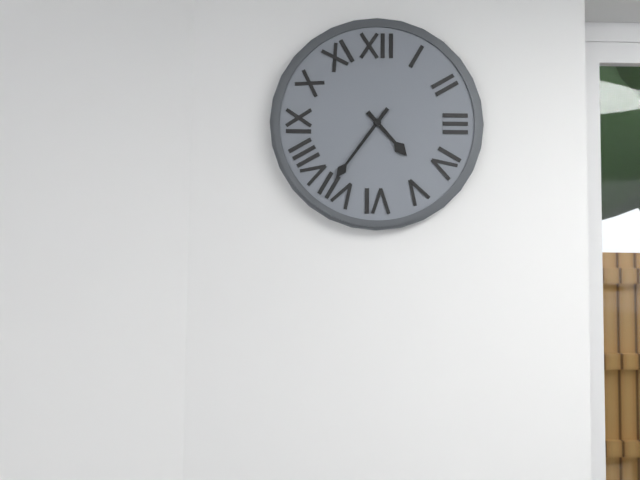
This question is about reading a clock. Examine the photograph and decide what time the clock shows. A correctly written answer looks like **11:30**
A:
**4:36**
